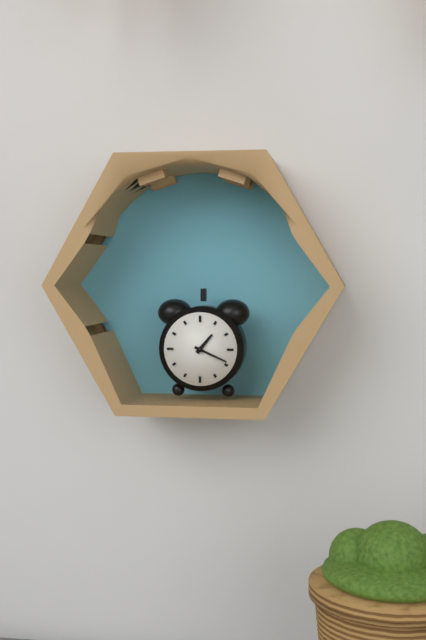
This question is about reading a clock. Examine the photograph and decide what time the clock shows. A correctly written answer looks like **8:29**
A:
**1:19**
